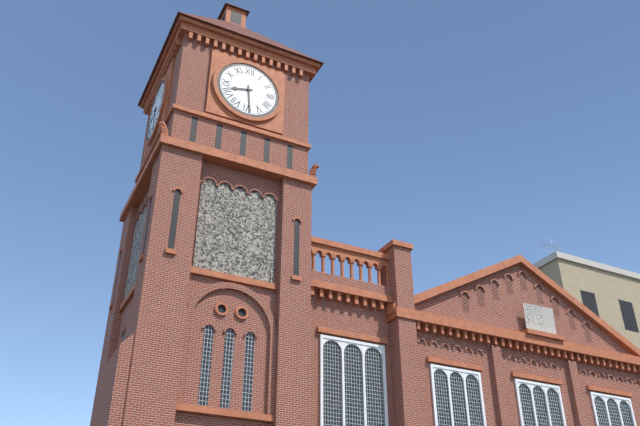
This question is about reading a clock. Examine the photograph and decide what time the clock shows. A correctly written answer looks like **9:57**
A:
**8:29**
